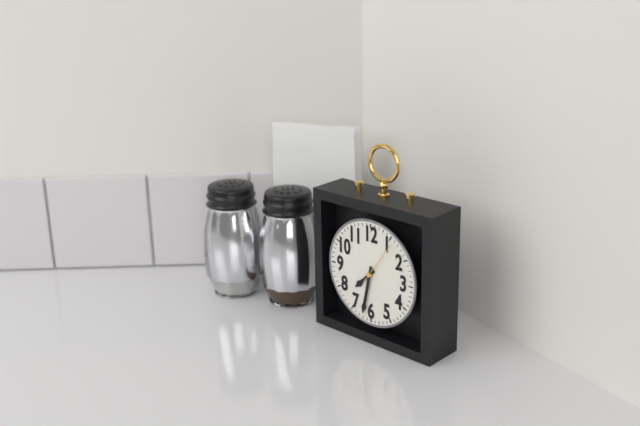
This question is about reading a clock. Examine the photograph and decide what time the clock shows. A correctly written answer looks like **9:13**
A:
**7:32**
